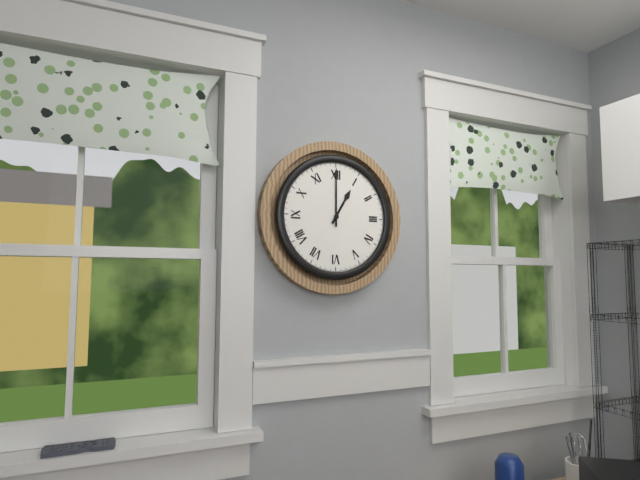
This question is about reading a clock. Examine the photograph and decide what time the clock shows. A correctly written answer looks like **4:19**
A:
**1:00**
